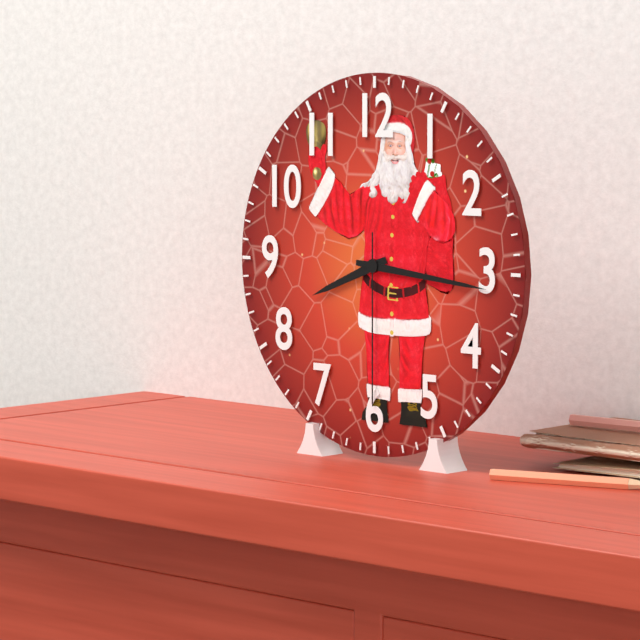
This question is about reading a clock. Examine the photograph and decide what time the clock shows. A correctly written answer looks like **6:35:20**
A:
**8:16:30**
